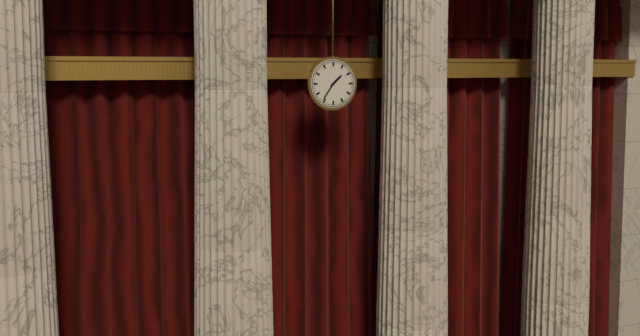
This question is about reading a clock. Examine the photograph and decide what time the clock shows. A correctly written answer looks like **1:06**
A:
**1:36**
